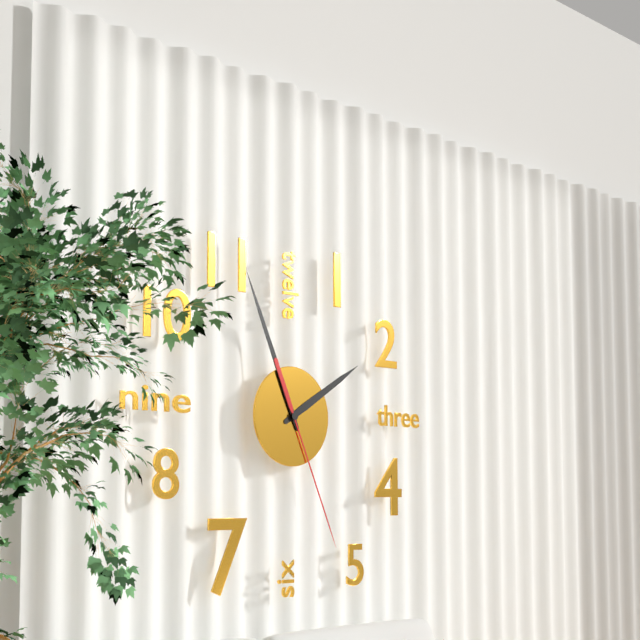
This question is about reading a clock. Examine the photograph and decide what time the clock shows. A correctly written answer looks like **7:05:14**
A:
**1:56:26**
